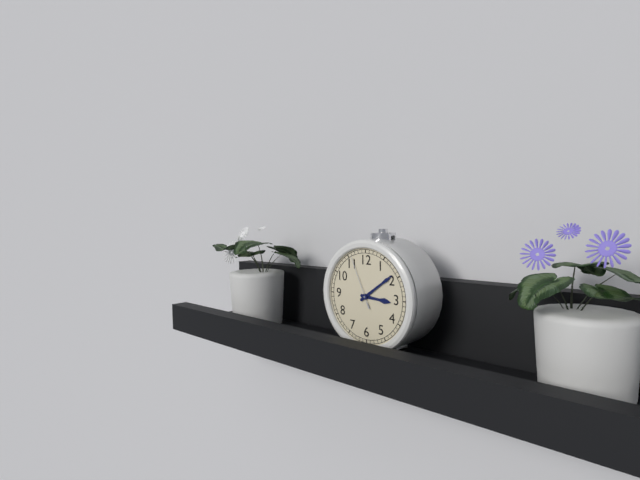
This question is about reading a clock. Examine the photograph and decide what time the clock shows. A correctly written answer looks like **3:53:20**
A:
**3:09:56**
